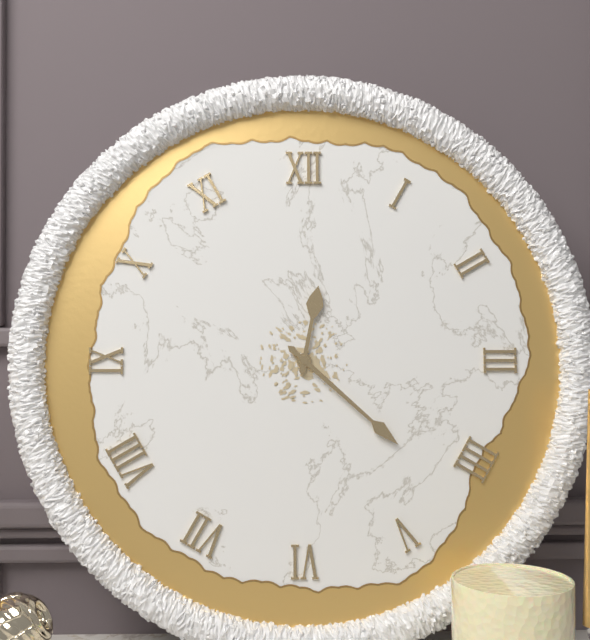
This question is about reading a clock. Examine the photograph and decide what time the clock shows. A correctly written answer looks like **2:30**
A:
**12:22**
